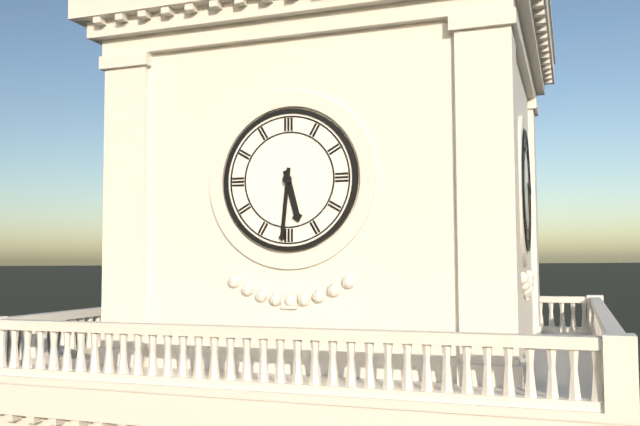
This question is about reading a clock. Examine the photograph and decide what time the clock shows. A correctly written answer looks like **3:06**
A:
**5:31**
